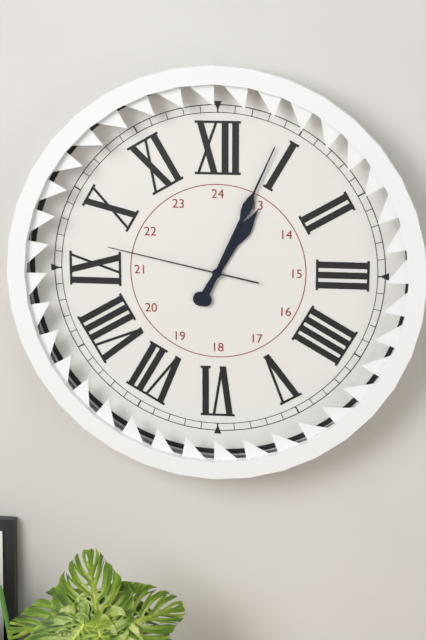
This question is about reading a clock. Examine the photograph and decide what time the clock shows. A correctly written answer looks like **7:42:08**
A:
**1:04:47**
